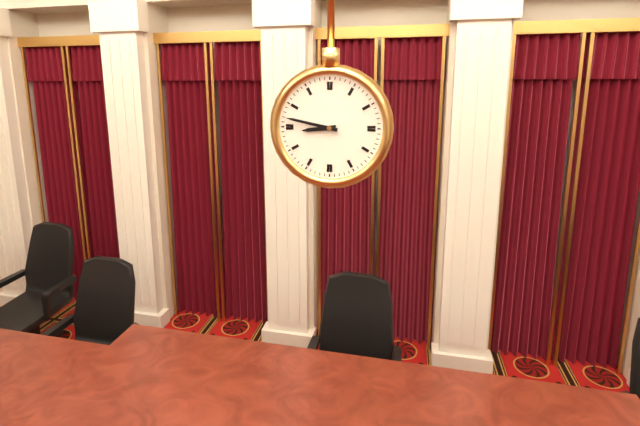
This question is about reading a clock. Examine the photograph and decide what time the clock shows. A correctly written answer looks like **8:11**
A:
**8:47**
